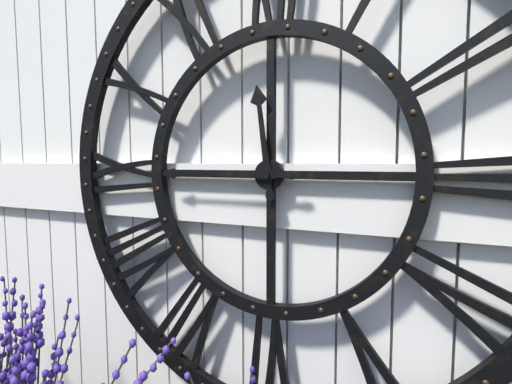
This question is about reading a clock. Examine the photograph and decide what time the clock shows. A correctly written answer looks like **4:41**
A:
**11:45**
